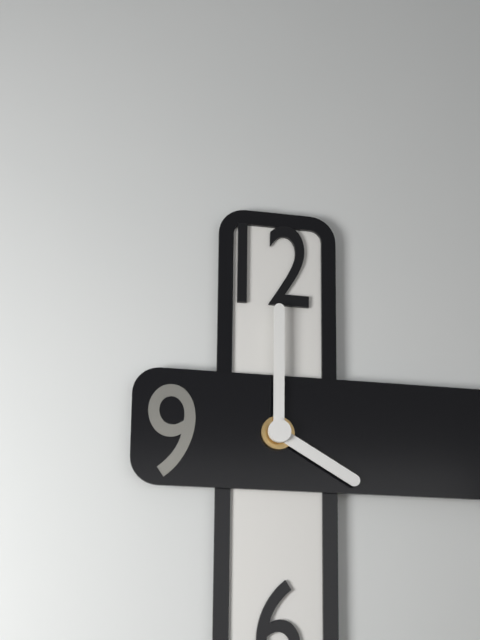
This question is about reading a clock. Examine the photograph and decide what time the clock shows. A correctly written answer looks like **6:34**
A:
**4:00**
